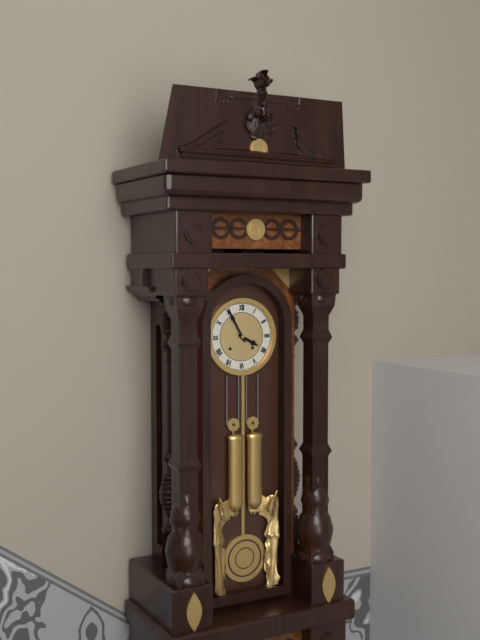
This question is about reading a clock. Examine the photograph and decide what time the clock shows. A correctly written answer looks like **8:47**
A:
**3:55**
